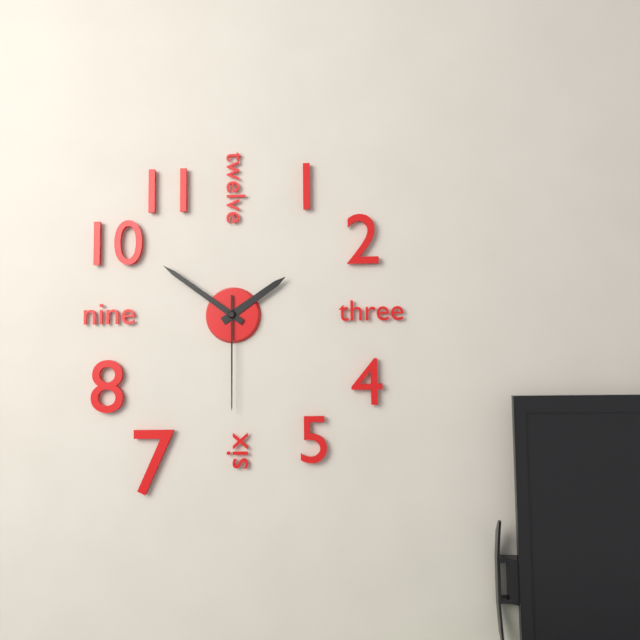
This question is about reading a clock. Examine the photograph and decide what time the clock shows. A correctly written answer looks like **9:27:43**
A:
**1:51:30**
